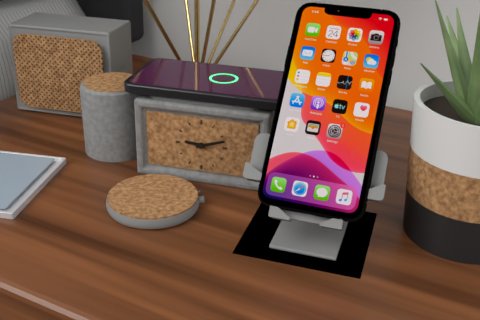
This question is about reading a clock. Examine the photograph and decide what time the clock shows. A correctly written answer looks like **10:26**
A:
**9:12**
